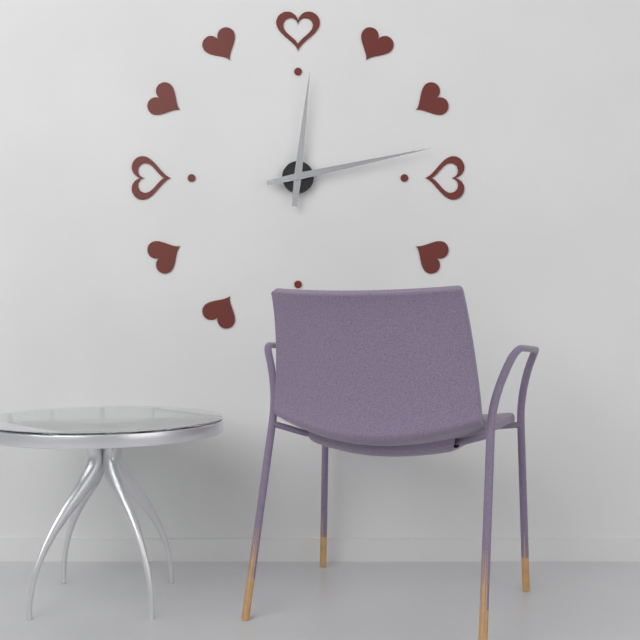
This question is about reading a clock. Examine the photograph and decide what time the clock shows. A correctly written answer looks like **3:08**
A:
**12:13**
